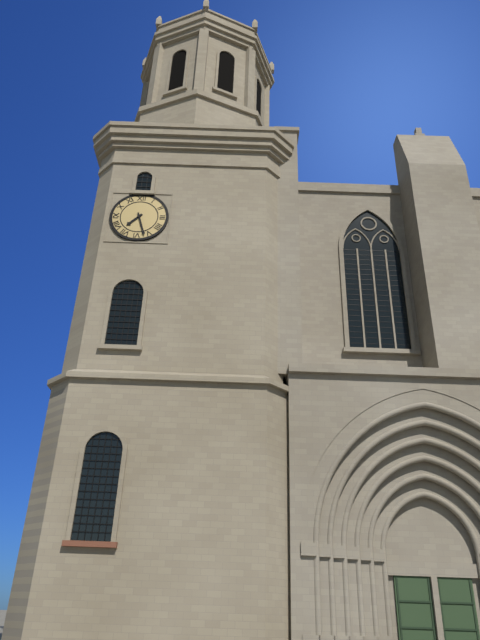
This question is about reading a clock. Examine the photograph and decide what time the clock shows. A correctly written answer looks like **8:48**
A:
**7:27**
